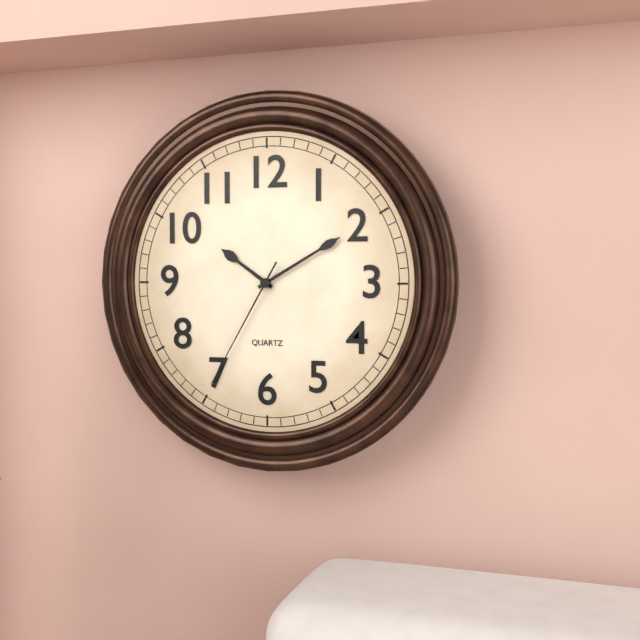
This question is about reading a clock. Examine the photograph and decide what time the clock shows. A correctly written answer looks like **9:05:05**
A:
**10:10:35**
